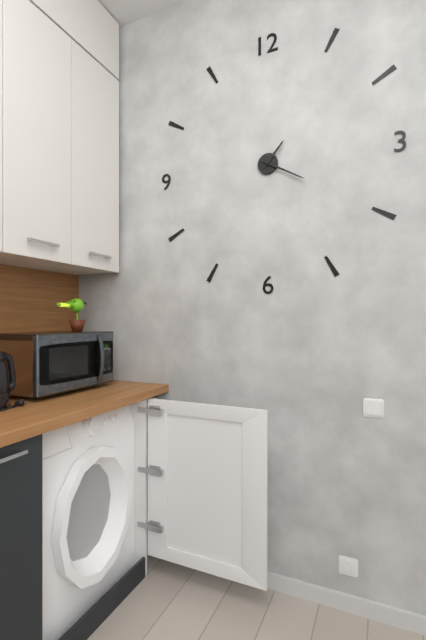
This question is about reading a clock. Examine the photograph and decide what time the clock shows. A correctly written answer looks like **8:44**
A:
**1:20**
